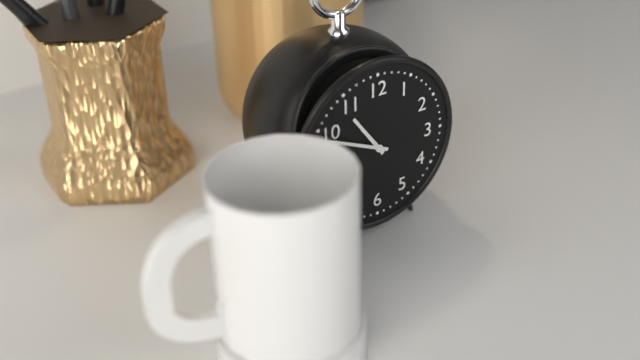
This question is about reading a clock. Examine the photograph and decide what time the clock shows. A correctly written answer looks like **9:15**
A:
**10:49**
